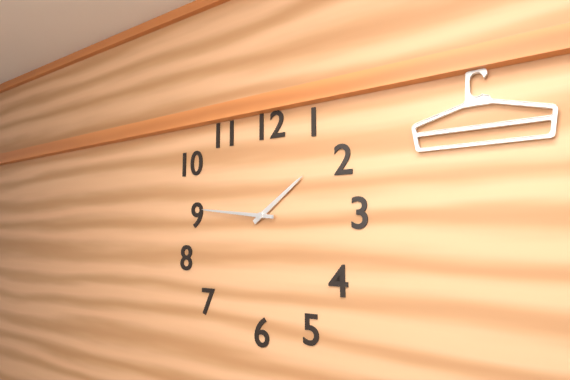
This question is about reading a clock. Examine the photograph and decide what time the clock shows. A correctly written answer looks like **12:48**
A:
**1:46**
